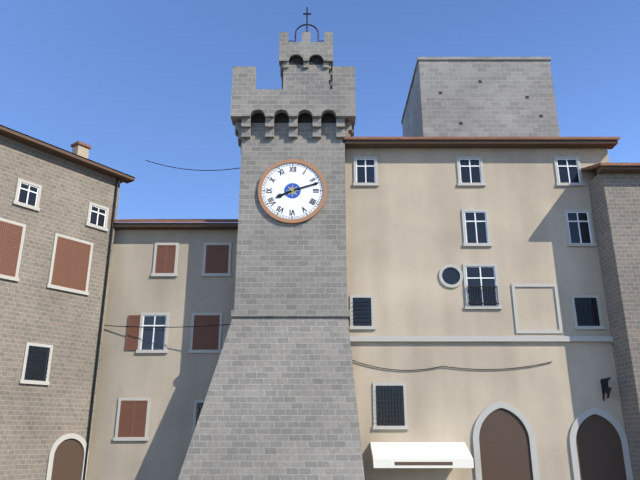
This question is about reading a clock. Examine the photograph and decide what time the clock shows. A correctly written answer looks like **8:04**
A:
**8:12**
